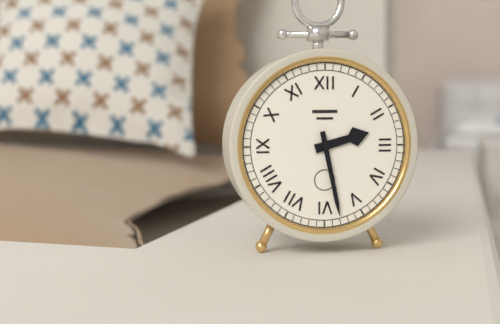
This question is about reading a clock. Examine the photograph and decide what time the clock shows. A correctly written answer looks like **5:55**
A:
**2:28**
